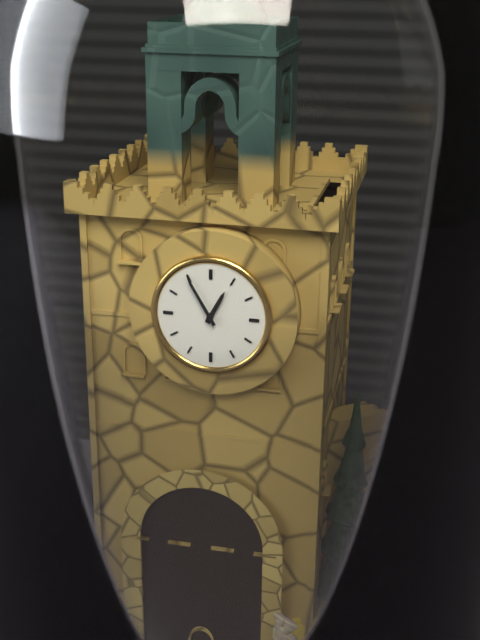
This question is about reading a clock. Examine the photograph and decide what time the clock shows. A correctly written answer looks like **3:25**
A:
**12:55**
